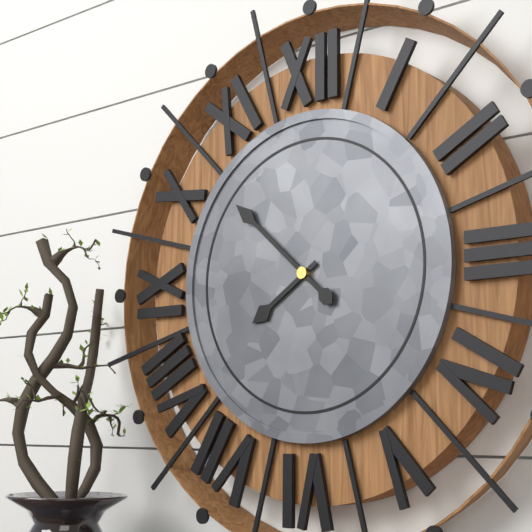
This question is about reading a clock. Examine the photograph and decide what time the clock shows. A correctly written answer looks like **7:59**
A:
**7:52**
